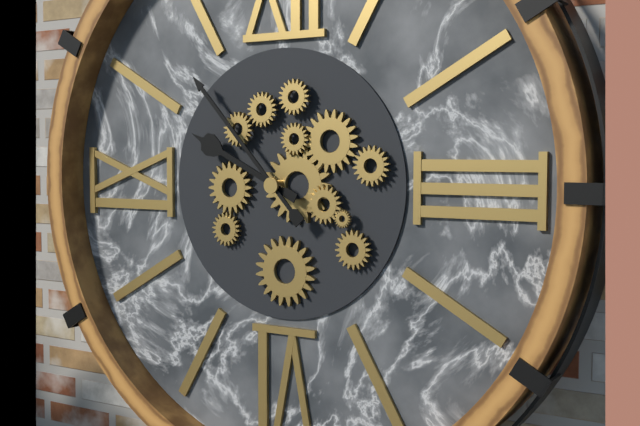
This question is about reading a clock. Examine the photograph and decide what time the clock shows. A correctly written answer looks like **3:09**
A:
**9:53**
